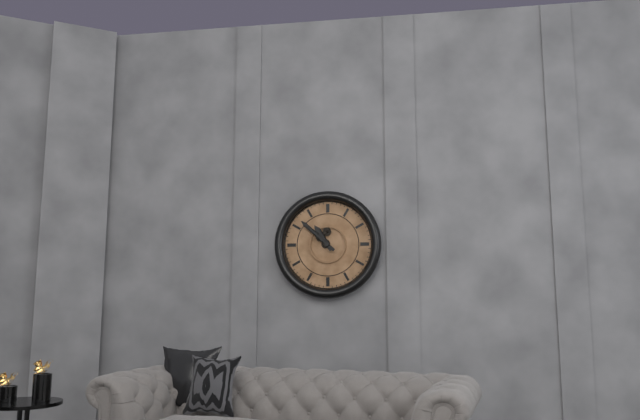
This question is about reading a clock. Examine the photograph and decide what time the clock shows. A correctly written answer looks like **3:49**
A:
**10:52**
